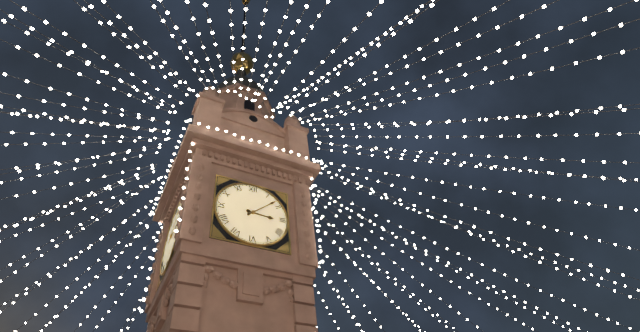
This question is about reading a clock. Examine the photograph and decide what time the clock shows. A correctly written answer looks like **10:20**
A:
**3:08**
